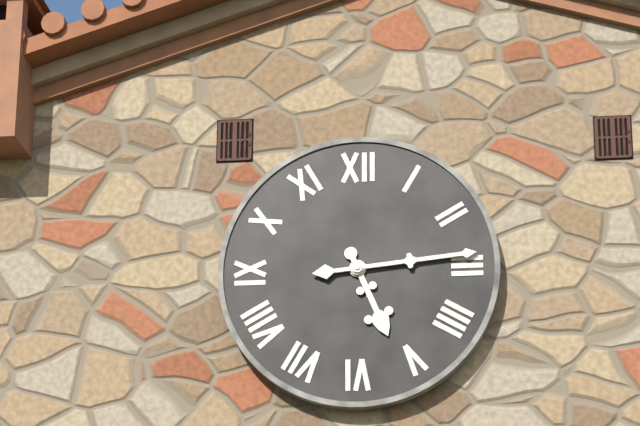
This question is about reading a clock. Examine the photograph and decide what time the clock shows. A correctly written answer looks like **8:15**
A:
**5:14**
